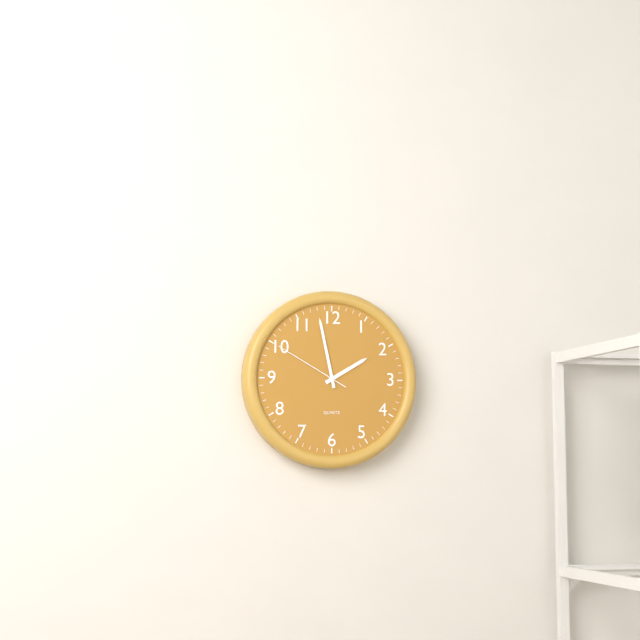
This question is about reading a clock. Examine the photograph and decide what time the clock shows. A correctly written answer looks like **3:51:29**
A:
**1:58:50**
